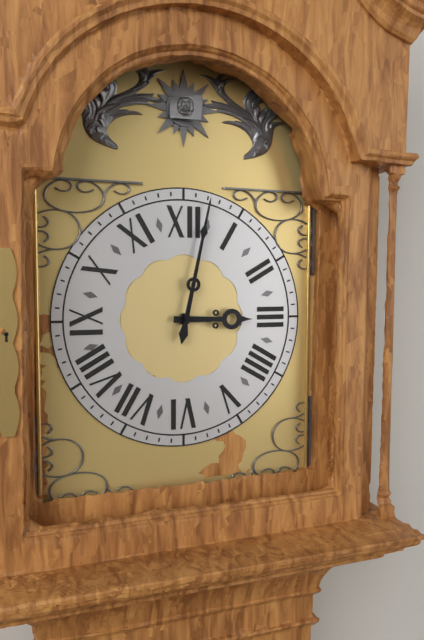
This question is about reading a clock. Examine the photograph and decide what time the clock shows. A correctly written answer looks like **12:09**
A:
**3:02**
